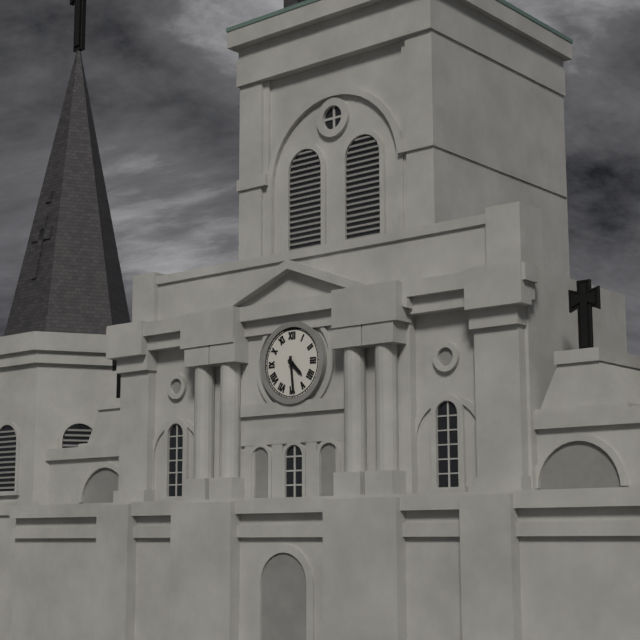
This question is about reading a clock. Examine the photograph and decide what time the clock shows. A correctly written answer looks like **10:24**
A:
**4:29**
